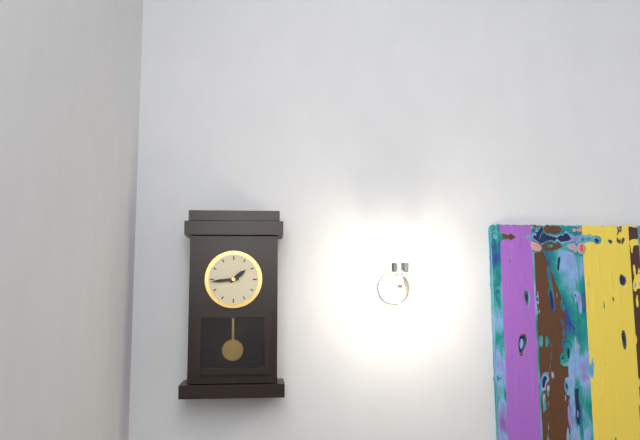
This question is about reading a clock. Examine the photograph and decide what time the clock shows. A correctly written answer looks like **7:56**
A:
**1:44**
